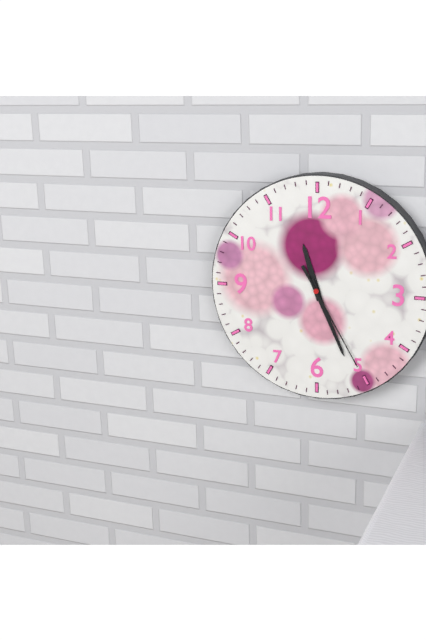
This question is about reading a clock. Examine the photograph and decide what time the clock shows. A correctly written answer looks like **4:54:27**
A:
**11:26:25**
